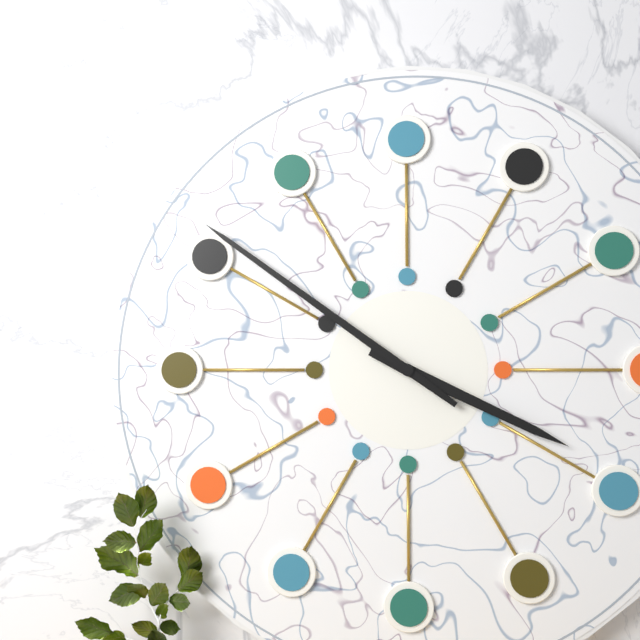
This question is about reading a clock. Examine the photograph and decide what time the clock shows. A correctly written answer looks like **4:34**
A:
**3:51**
